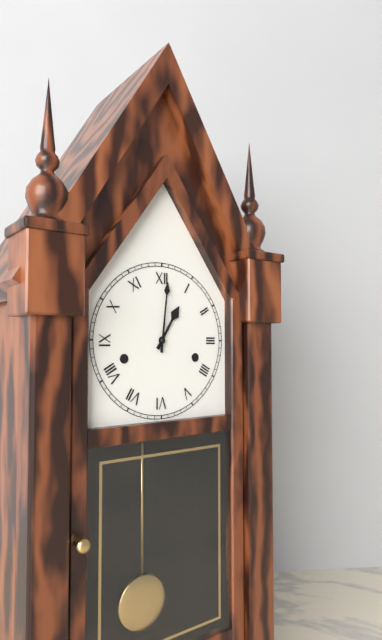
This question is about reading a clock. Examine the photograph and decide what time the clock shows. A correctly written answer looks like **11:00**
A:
**1:01**
